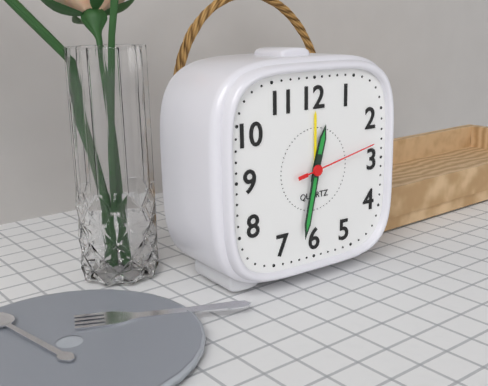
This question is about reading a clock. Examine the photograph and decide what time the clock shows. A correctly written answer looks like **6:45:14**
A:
**12:32:13**
